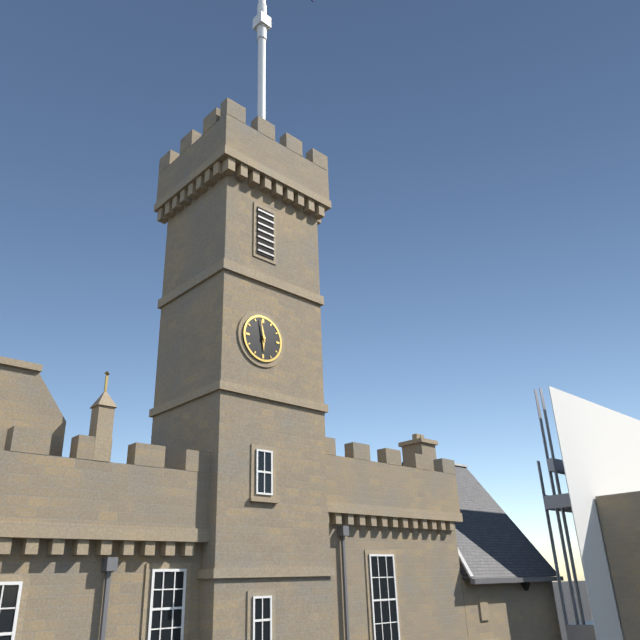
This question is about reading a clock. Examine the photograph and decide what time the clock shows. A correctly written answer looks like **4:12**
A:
**5:58**
